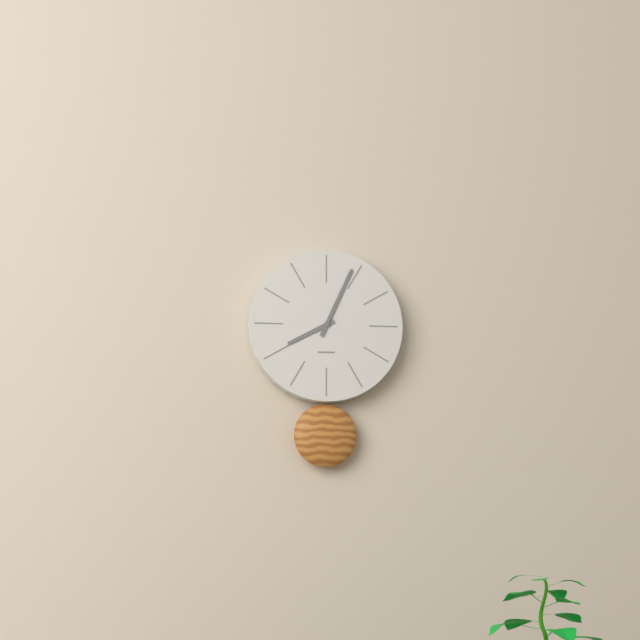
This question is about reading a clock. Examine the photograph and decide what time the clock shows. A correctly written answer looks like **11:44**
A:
**8:04**
